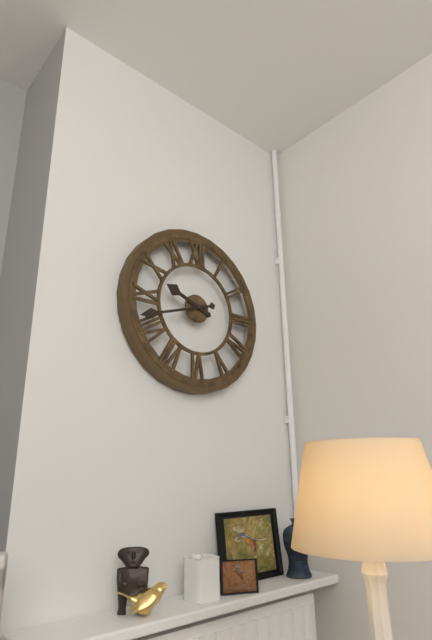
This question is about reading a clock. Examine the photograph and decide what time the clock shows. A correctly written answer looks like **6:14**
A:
**9:42**
